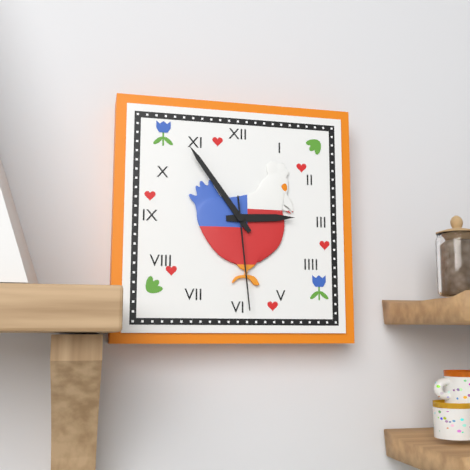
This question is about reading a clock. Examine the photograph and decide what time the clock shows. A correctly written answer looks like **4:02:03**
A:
**2:54:29**
